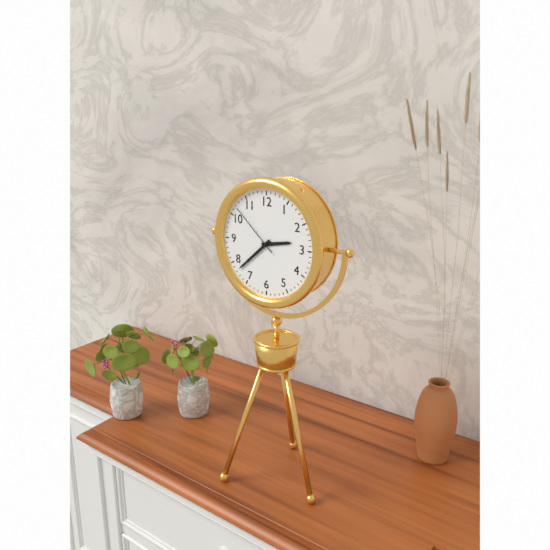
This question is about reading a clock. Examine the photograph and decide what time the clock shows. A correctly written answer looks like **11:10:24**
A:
**2:38:52**
